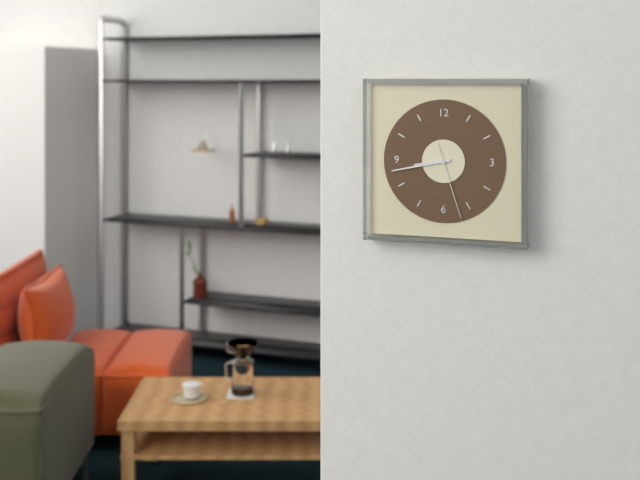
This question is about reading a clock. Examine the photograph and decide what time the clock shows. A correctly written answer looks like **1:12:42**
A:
**8:43:27**
